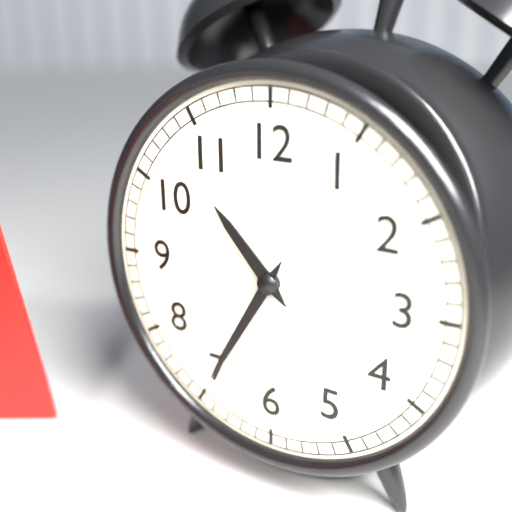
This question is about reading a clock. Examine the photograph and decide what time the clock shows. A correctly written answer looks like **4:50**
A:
**10:35**
